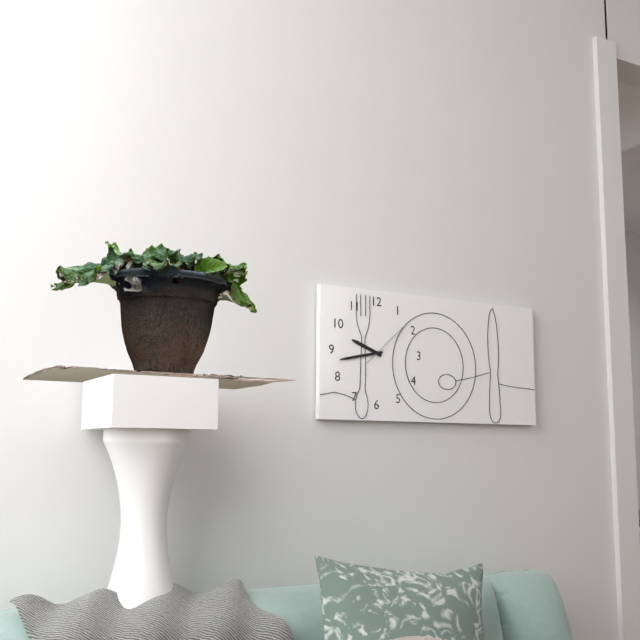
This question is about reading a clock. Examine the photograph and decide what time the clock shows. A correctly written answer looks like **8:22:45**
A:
**9:43:08**
